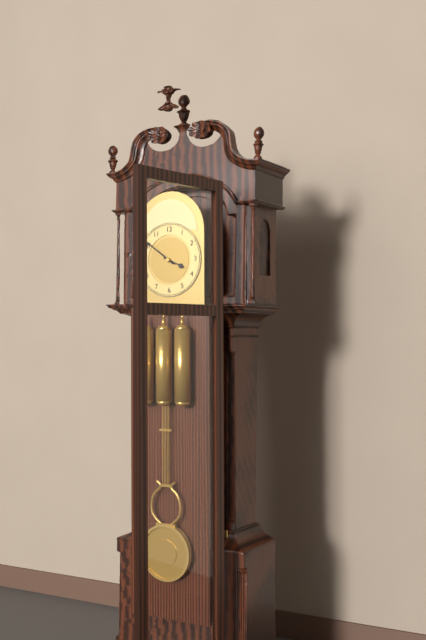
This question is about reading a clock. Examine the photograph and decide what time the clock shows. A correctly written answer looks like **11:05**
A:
**3:51**
